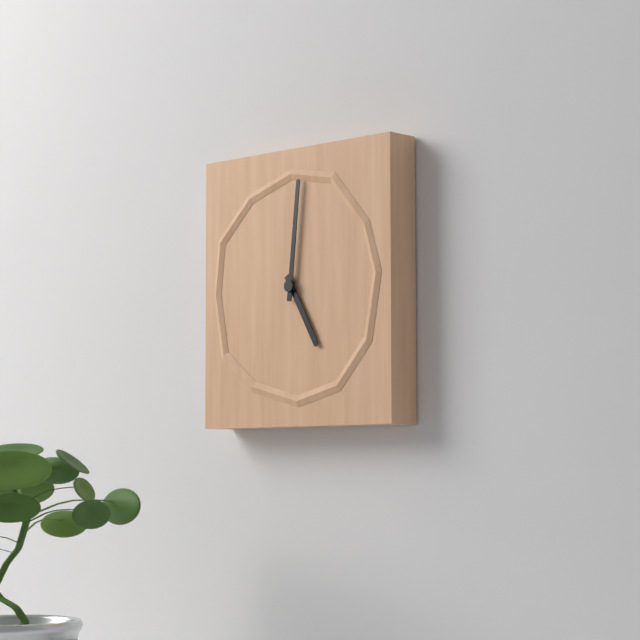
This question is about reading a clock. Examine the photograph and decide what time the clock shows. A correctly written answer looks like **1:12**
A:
**5:01**
